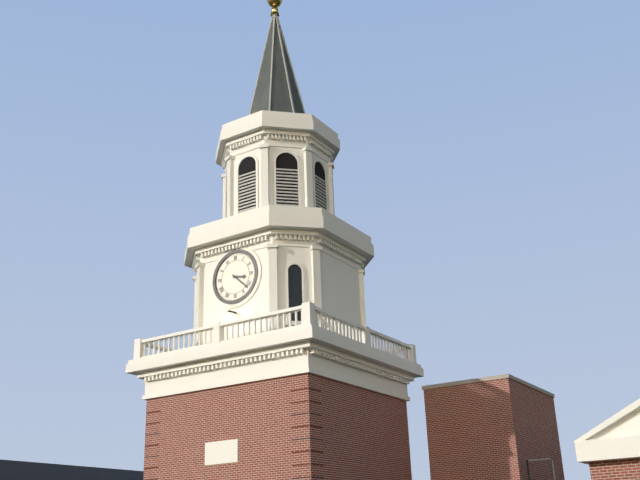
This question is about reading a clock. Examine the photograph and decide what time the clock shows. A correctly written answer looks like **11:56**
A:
**3:22**
